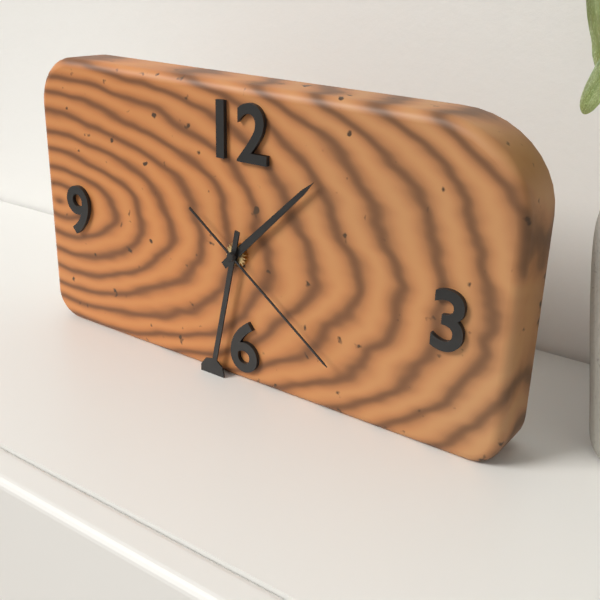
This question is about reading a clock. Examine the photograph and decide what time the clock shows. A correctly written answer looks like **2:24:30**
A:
**1:32:21**
